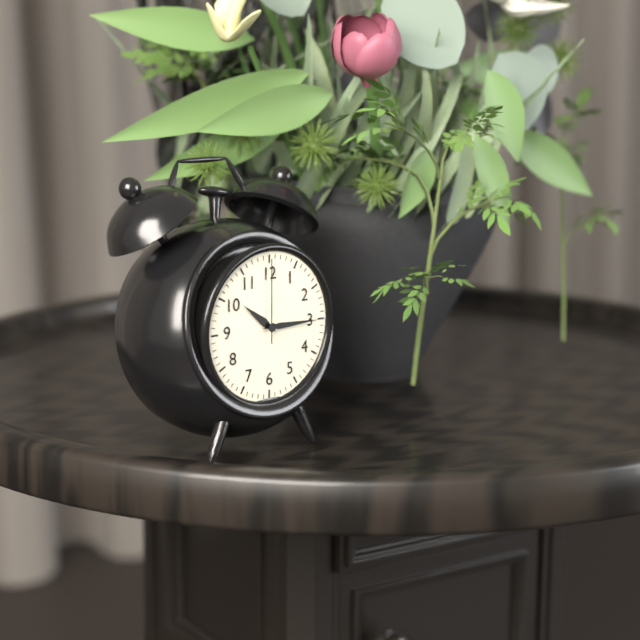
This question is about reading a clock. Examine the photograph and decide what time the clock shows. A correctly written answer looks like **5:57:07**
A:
**10:15:00**
